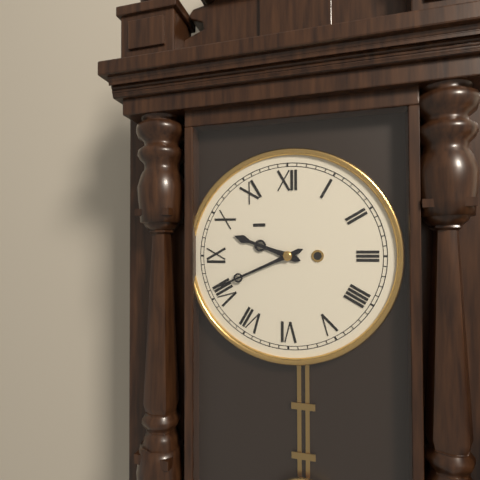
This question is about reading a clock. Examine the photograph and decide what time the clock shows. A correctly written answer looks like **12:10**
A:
**9:41**
